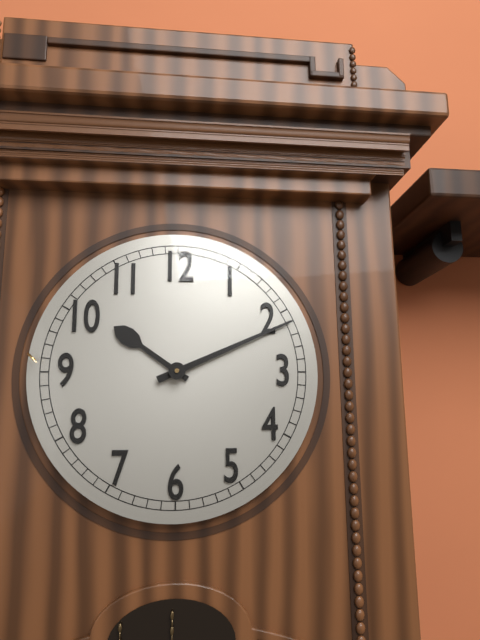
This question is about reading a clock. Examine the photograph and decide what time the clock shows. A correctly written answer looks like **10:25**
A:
**10:11**
